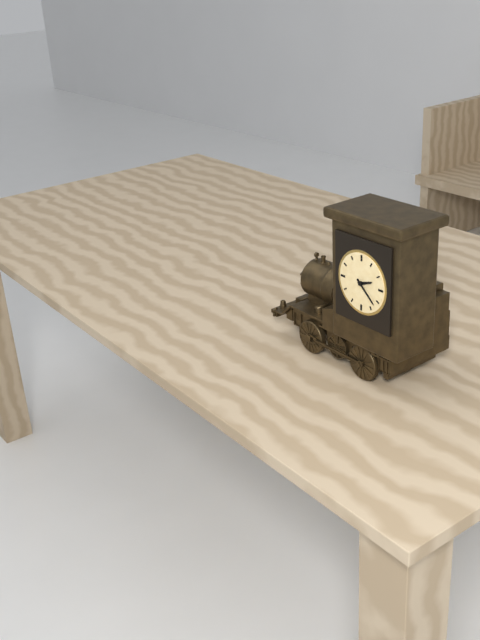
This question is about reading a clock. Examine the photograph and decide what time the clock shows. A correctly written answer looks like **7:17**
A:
**2:22**
